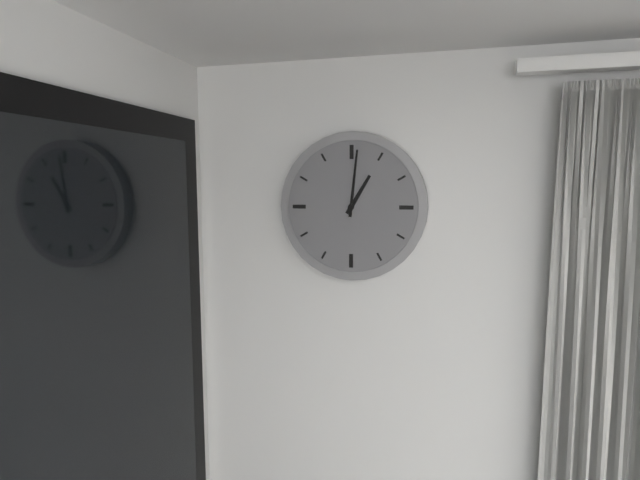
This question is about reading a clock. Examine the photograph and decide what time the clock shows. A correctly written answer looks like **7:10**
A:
**1:01**
